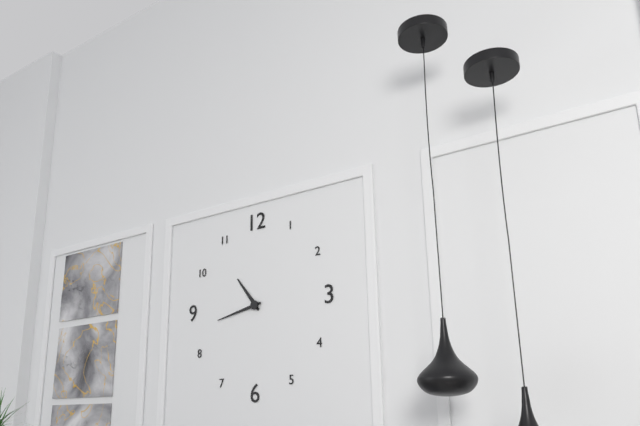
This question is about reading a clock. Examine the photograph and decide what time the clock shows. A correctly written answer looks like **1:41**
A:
**10:43**
